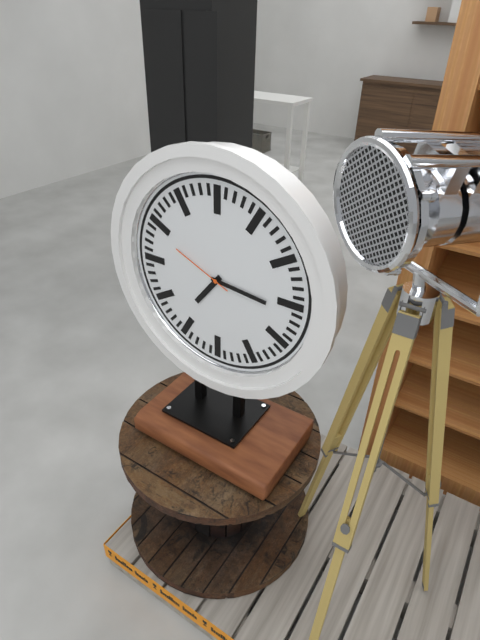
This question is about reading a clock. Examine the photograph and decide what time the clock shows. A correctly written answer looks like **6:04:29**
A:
**7:16:49**
